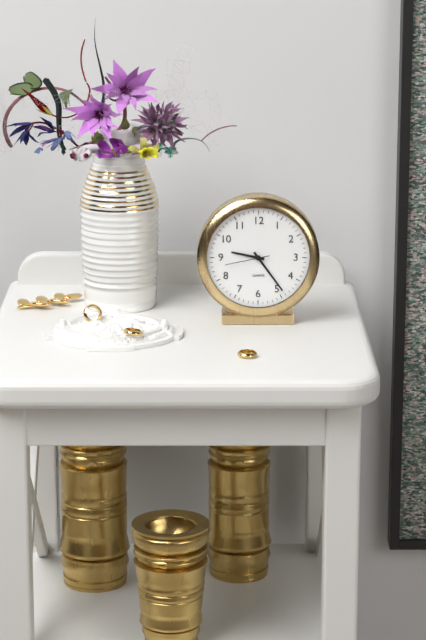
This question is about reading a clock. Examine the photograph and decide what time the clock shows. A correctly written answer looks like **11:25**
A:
**9:24**
